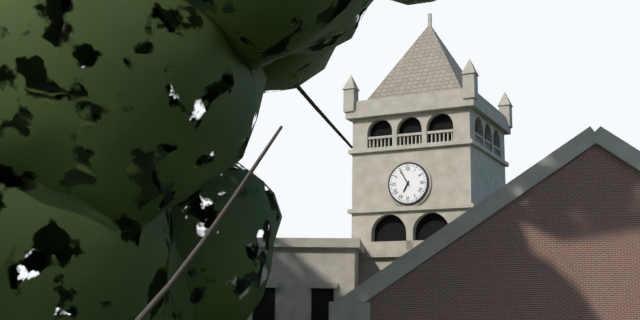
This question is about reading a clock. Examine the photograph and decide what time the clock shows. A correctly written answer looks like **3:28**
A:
**6:55**
